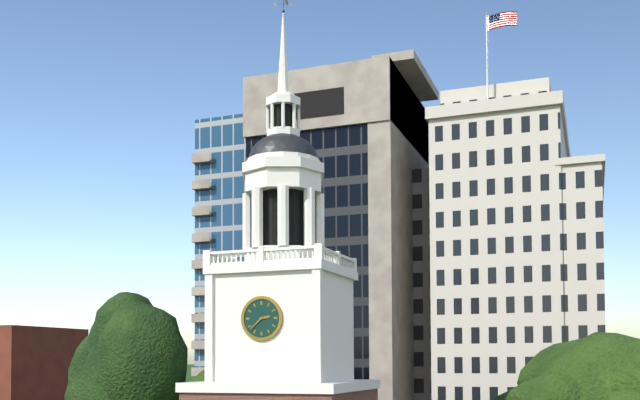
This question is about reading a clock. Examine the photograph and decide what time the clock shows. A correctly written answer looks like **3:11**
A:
**2:38**
